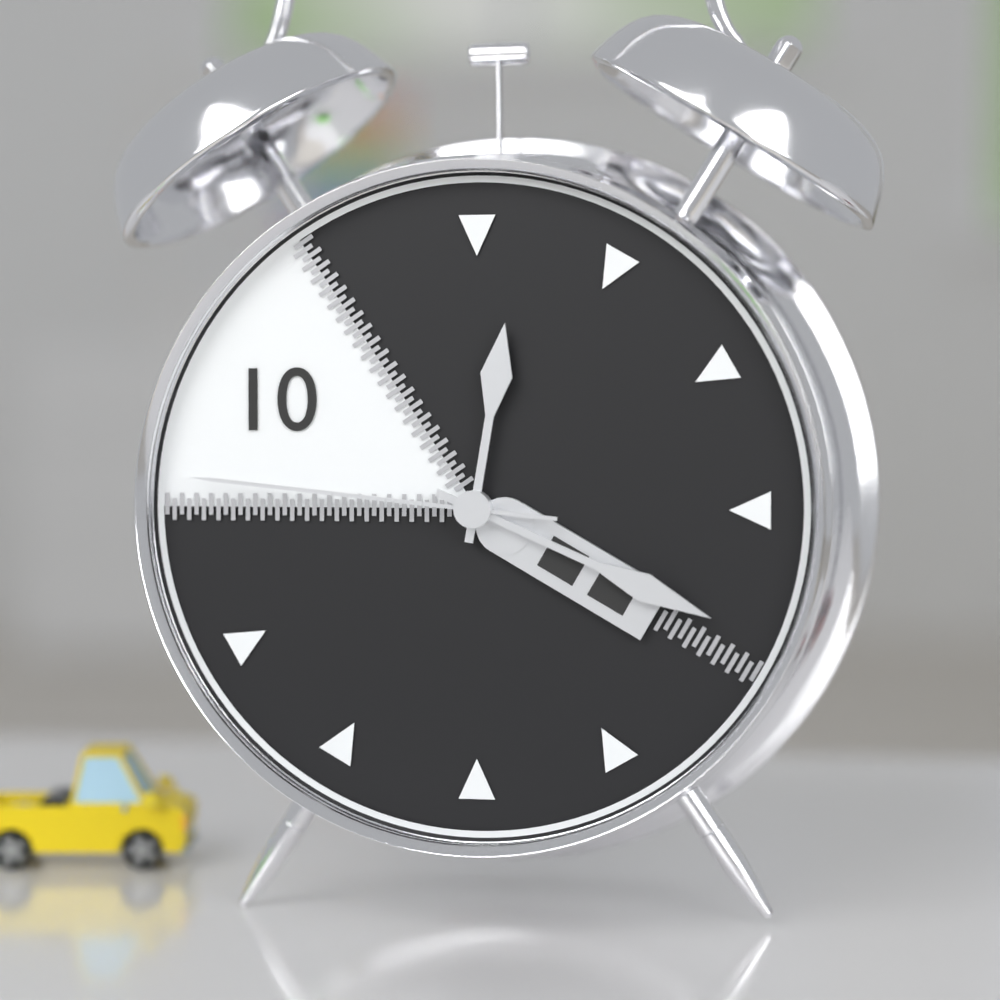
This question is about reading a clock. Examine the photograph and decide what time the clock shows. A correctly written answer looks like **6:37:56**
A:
**12:19:46**
